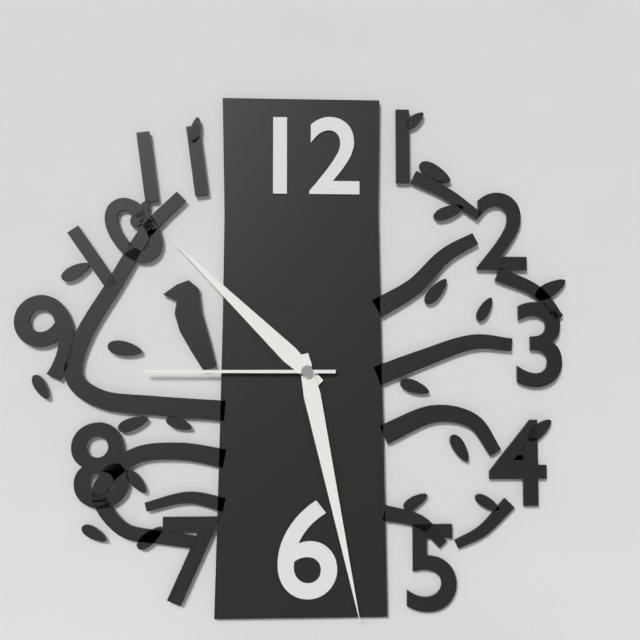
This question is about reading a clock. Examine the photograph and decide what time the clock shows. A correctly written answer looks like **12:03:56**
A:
**10:28:45**
